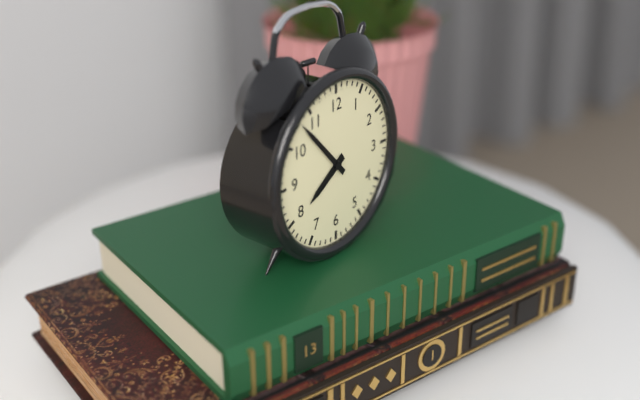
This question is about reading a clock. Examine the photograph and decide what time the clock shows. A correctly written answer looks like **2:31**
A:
**7:53**
